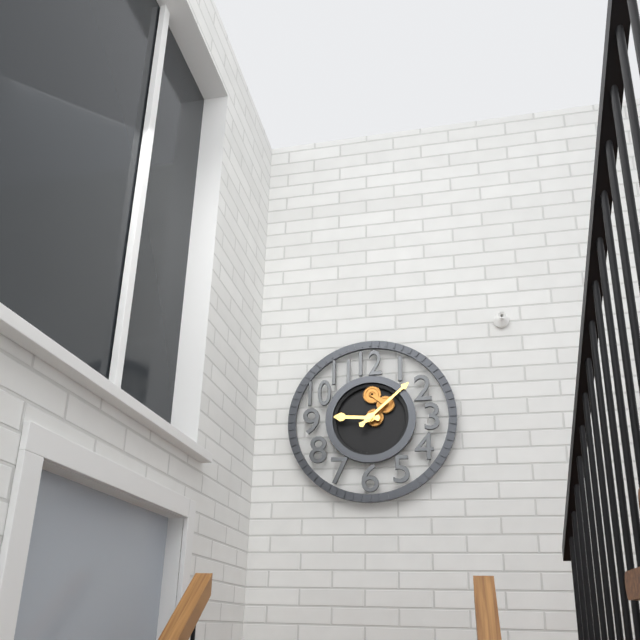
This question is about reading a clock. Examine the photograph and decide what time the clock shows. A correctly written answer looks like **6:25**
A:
**9:08**
